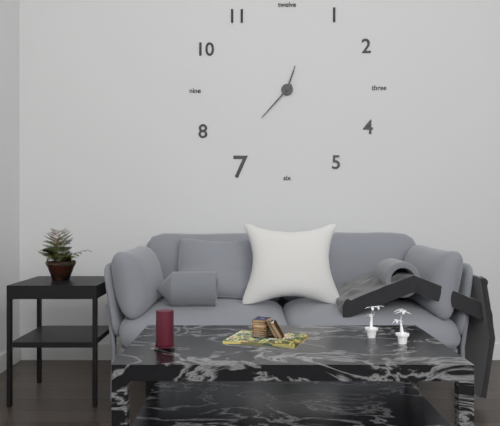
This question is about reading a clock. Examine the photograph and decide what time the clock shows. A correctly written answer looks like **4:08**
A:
**12:37**
